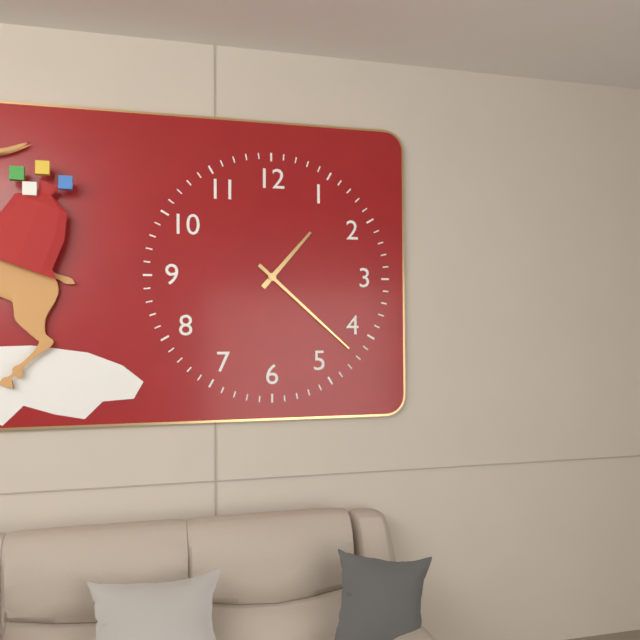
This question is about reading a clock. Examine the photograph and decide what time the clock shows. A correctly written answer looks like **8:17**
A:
**1:22**
